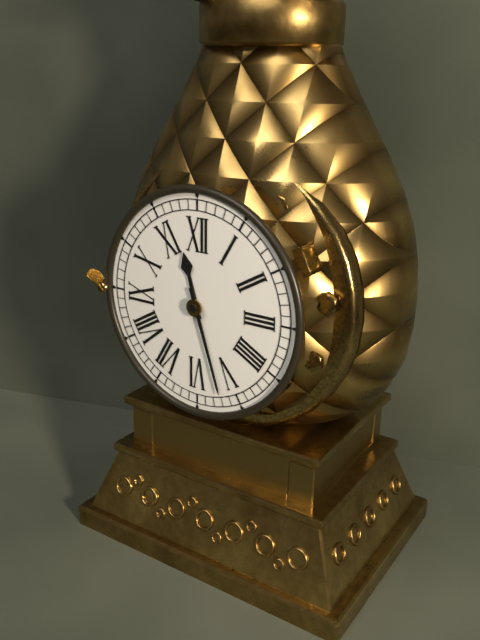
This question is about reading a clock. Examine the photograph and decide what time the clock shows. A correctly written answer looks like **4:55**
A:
**11:27**
